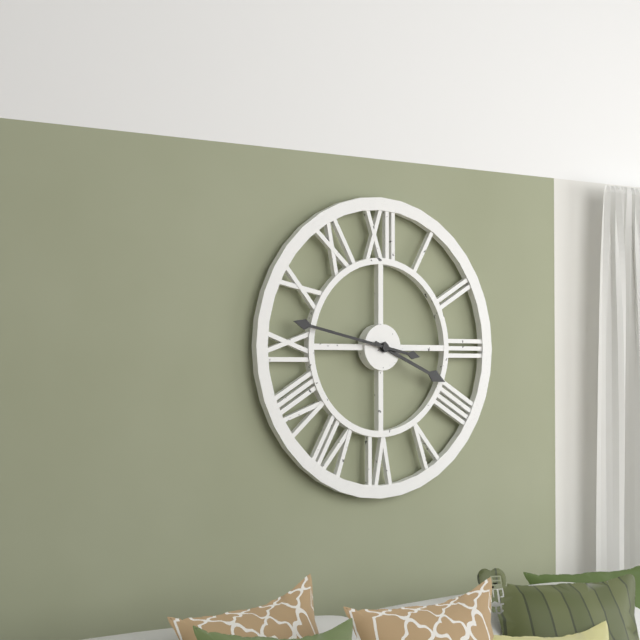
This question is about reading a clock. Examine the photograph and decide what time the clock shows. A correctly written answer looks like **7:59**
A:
**3:47**
